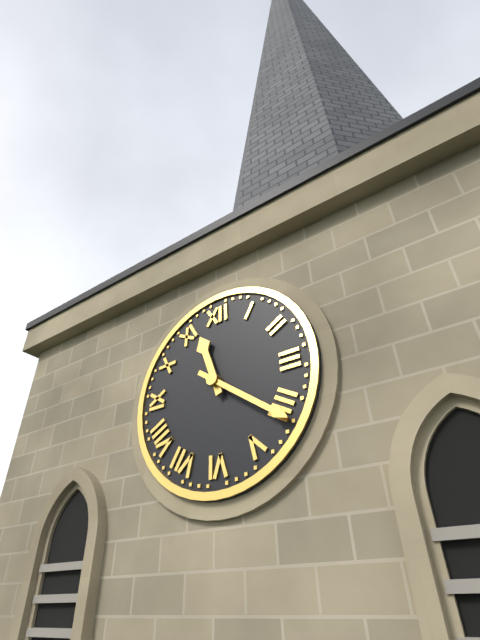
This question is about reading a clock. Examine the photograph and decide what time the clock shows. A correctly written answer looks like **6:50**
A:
**11:21**
